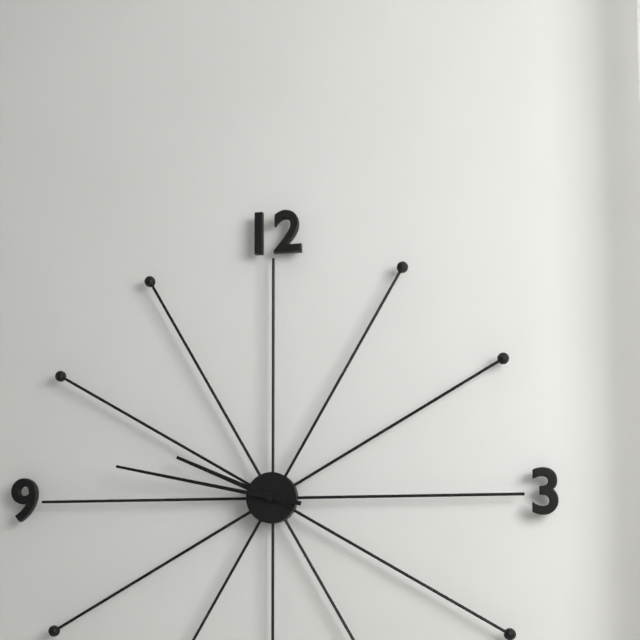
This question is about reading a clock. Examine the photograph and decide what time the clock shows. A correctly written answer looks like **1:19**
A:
**9:47**
